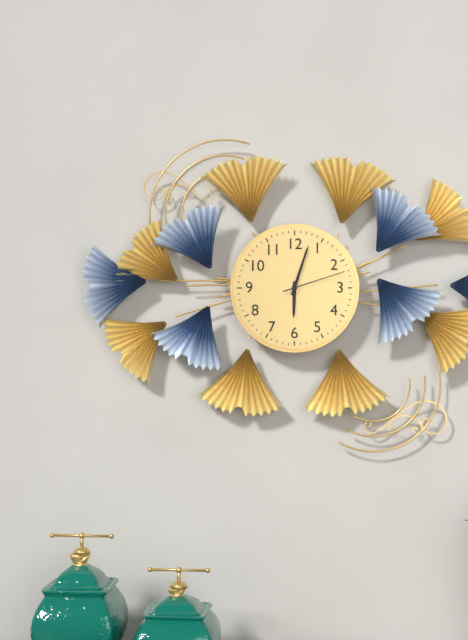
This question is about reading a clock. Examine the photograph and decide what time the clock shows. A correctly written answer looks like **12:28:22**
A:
**6:03:12**
